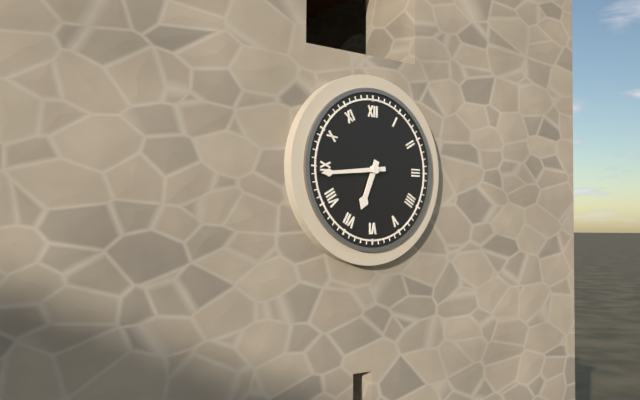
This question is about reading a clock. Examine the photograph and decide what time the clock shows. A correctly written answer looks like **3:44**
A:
**6:44**
